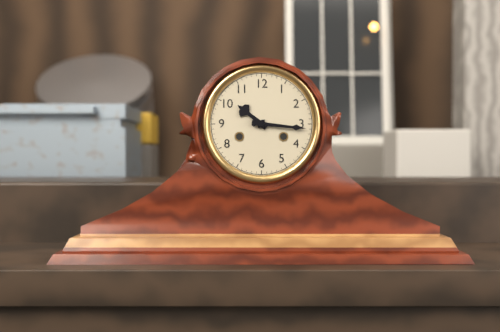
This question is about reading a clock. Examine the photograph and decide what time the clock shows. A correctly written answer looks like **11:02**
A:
**10:16**
